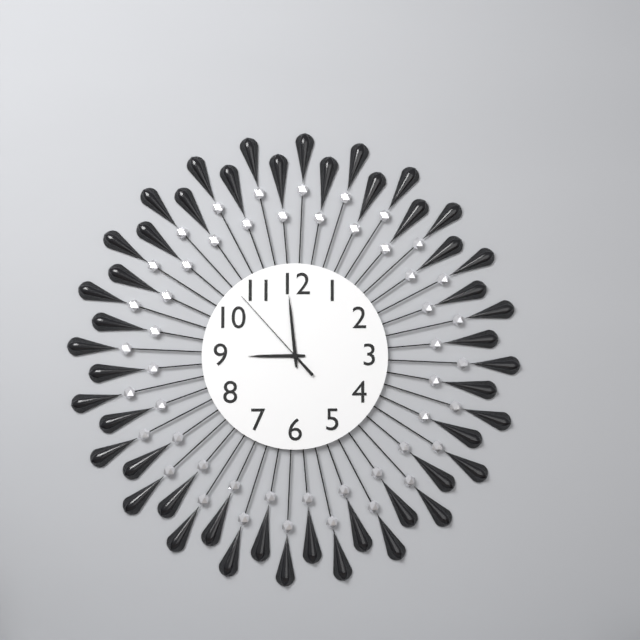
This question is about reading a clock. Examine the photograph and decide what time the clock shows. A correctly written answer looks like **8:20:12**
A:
**8:59:53**
